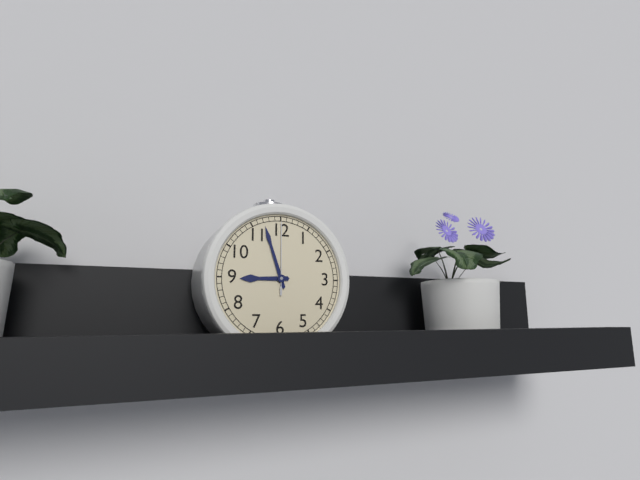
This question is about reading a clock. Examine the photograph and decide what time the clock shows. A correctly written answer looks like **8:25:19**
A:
**8:57:00**
